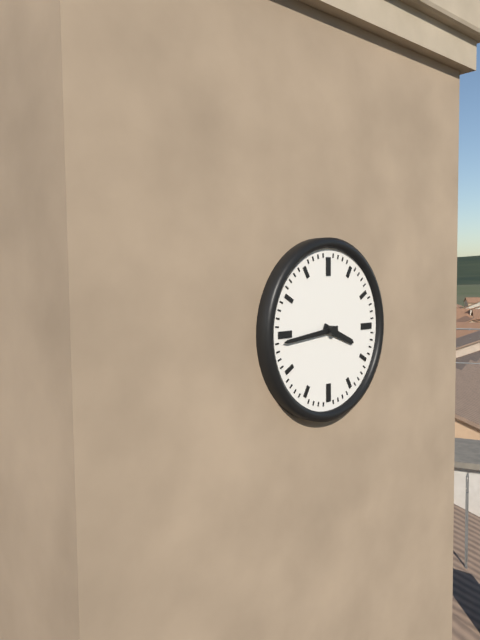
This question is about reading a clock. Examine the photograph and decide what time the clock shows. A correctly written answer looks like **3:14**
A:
**3:44**
